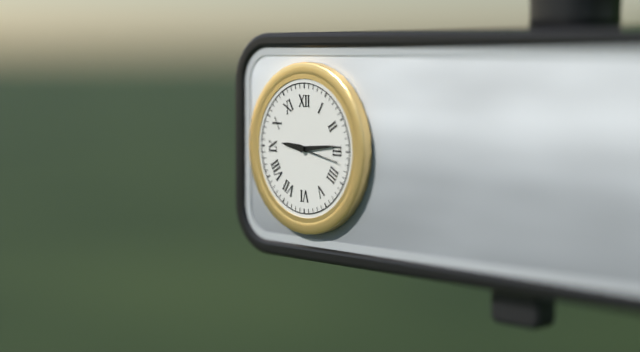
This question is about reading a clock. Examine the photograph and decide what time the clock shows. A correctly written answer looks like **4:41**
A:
**9:14**
